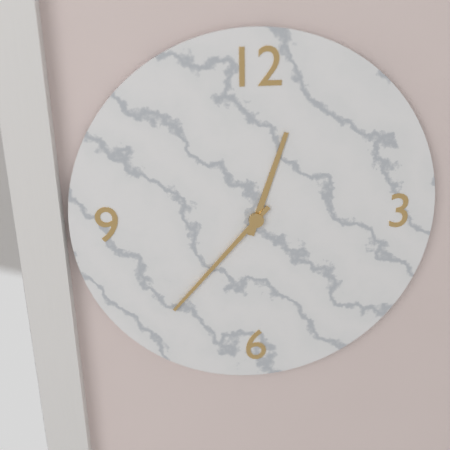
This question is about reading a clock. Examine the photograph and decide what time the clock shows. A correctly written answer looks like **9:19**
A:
**12:37**
